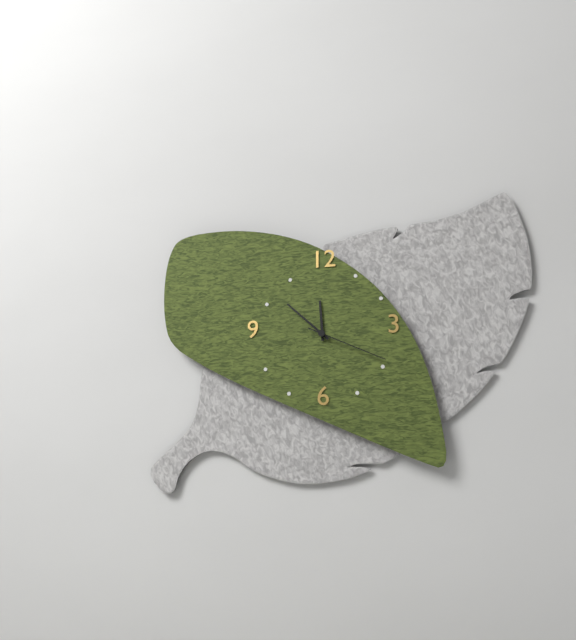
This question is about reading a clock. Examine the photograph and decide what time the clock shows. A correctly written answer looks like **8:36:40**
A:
**11:52:19**
